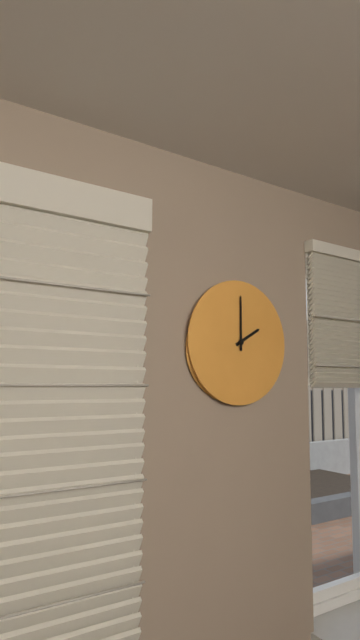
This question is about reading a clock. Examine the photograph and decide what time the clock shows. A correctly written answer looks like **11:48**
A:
**2:00**
